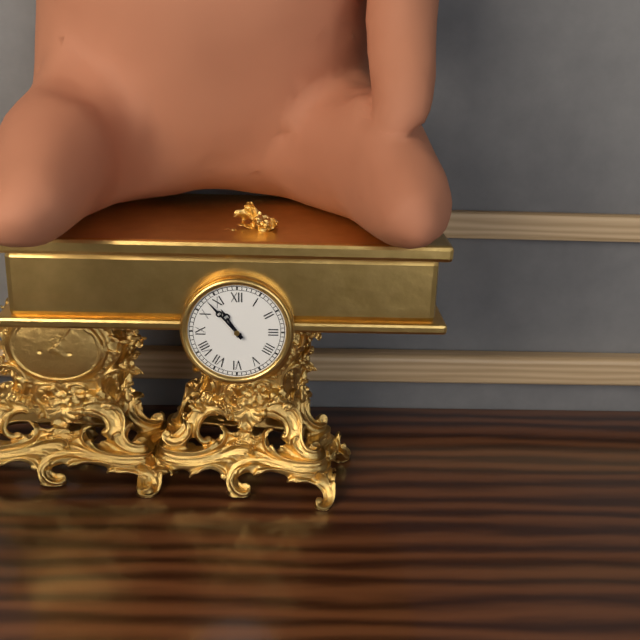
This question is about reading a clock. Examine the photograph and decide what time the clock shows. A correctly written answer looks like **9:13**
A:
**10:53**
